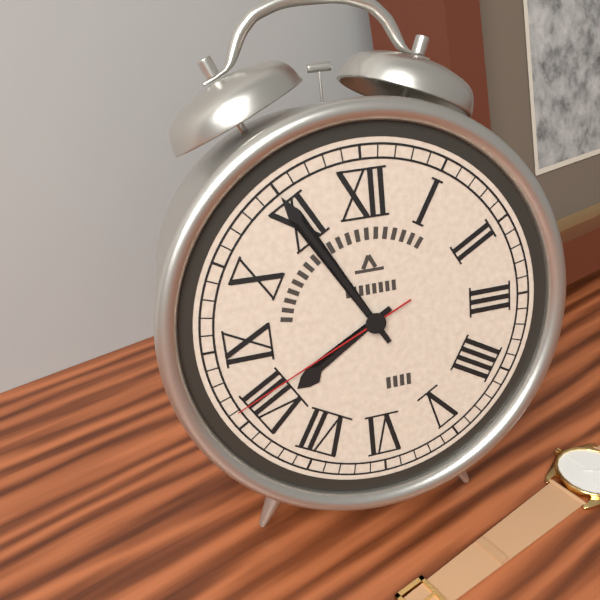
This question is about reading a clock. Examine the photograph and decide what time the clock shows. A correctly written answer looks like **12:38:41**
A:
**7:55:41**
